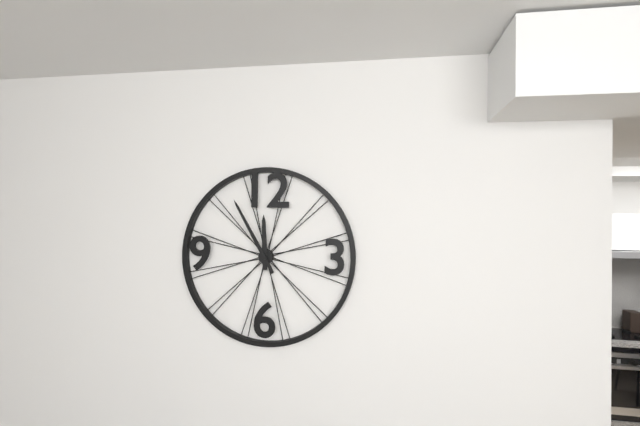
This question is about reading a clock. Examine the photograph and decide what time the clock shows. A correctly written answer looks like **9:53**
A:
**11:55**
